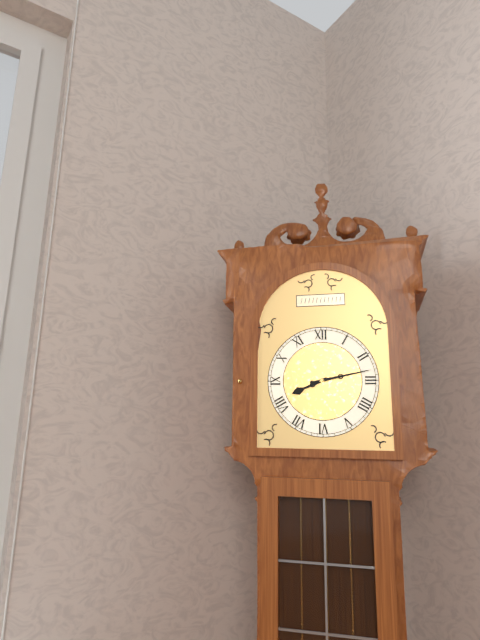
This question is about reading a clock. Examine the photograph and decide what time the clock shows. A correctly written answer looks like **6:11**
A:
**8:13**
